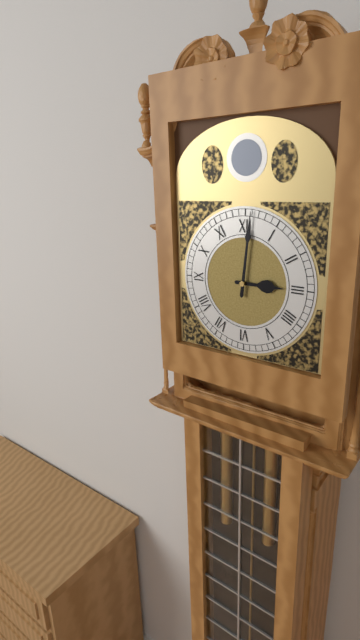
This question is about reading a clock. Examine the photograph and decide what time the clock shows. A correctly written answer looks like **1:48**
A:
**3:01**
